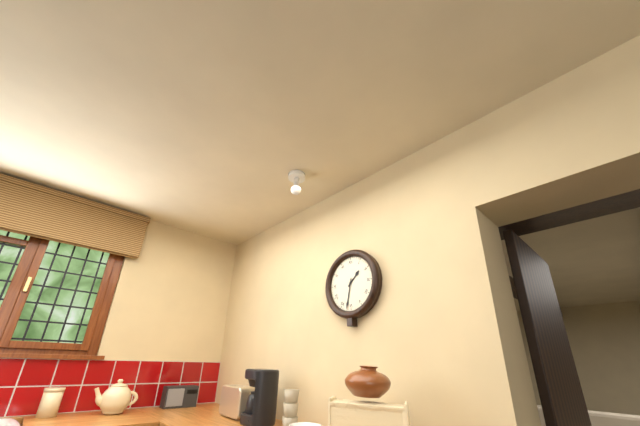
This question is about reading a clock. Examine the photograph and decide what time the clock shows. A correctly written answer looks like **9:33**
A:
**1:32**
